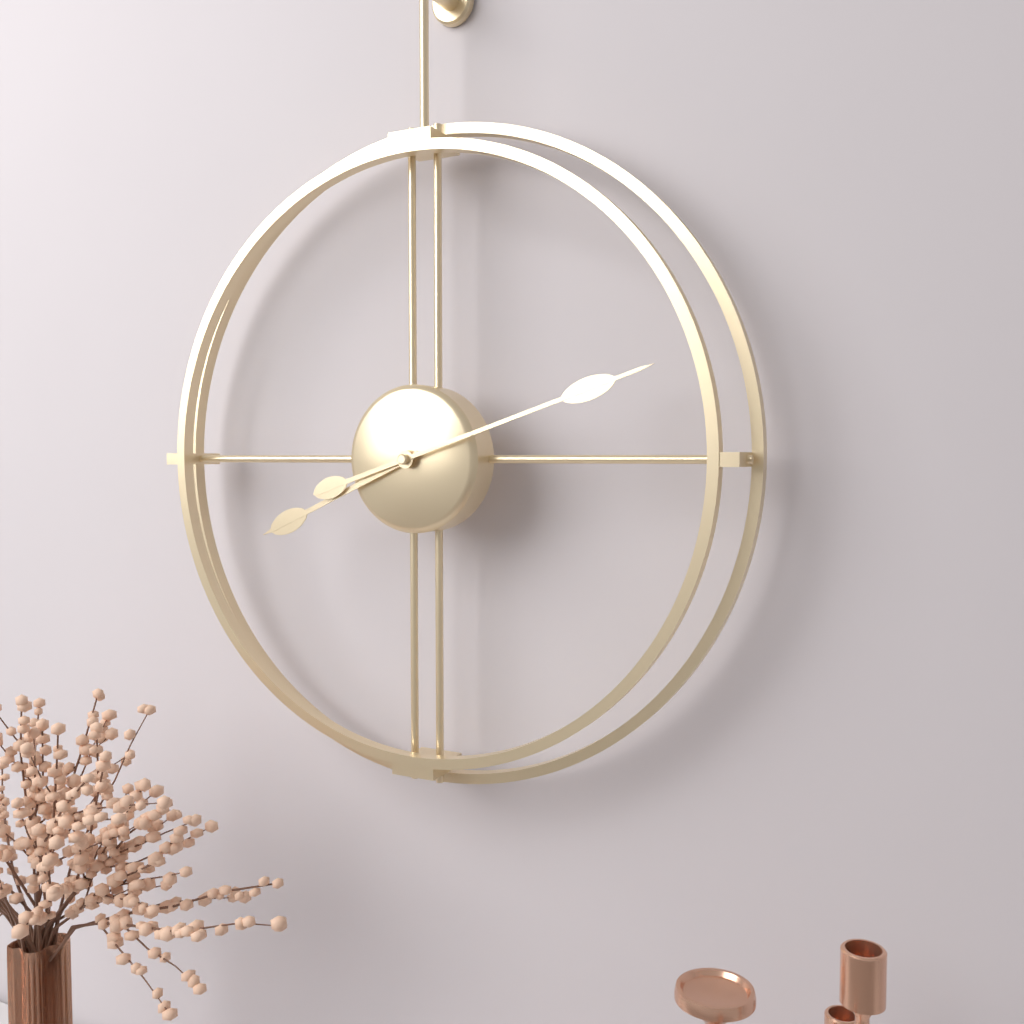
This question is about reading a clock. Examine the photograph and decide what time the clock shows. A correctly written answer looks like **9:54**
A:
**8:12**
